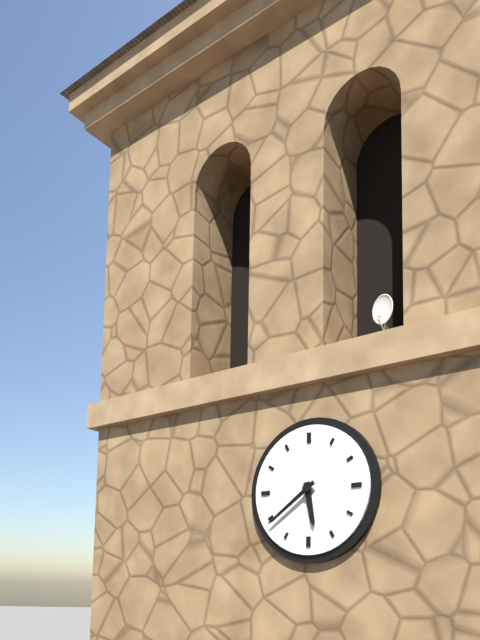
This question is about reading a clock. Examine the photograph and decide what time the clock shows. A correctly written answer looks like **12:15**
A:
**5:39**
